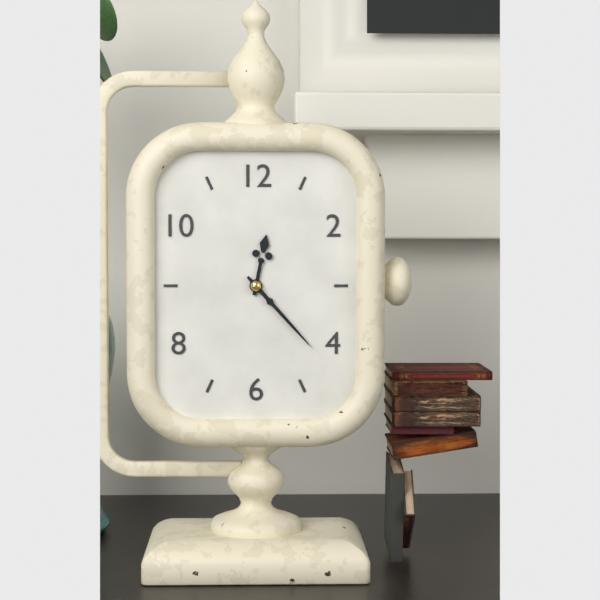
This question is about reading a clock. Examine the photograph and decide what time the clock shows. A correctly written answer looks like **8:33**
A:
**12:23**
